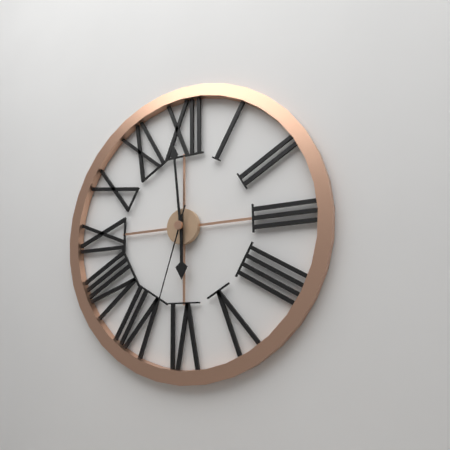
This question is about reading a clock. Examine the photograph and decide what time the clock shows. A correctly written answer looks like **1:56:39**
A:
**5:59:33**
